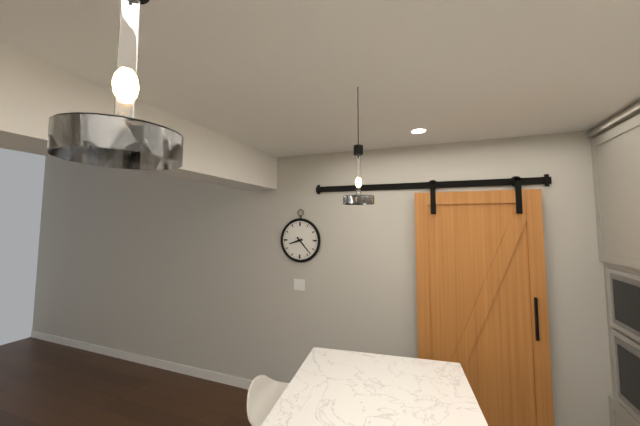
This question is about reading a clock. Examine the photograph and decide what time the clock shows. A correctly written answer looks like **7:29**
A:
**8:23**
